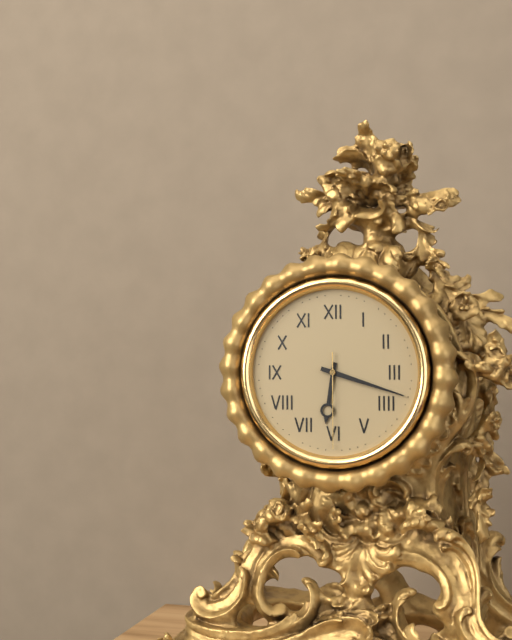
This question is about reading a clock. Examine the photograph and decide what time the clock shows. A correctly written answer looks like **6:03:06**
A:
**6:18:30**
